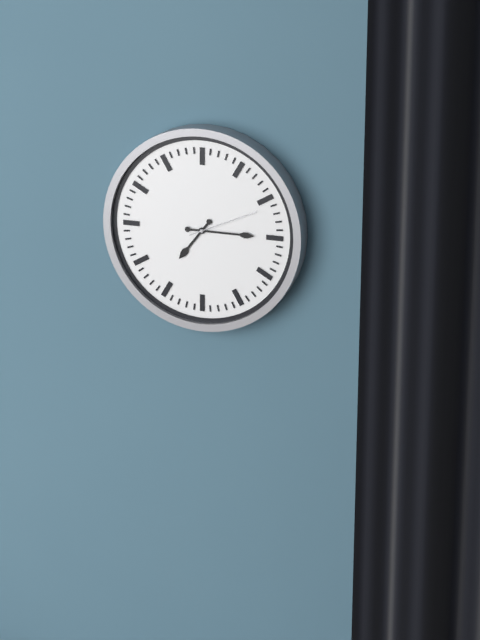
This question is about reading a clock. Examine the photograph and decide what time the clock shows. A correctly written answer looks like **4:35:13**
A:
**7:15:11**
